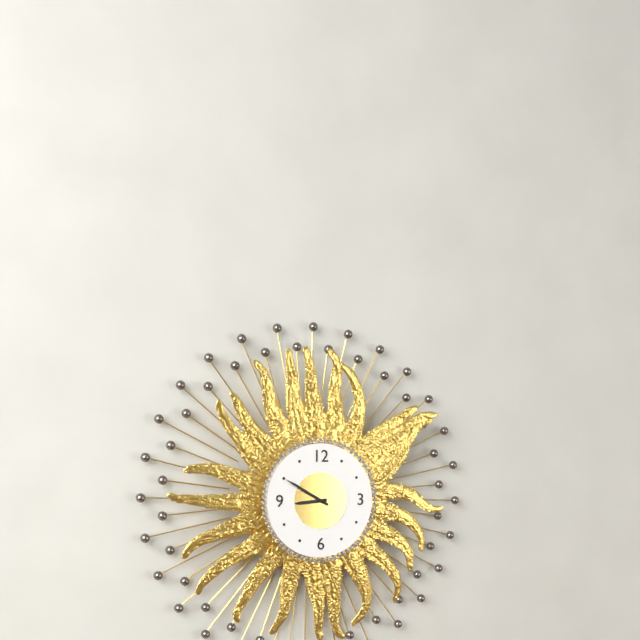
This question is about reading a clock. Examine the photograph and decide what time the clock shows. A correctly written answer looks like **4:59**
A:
**8:50**
